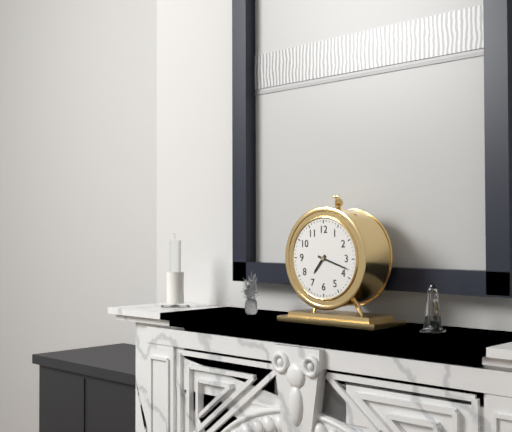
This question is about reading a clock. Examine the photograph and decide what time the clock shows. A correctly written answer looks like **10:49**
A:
**7:18**
